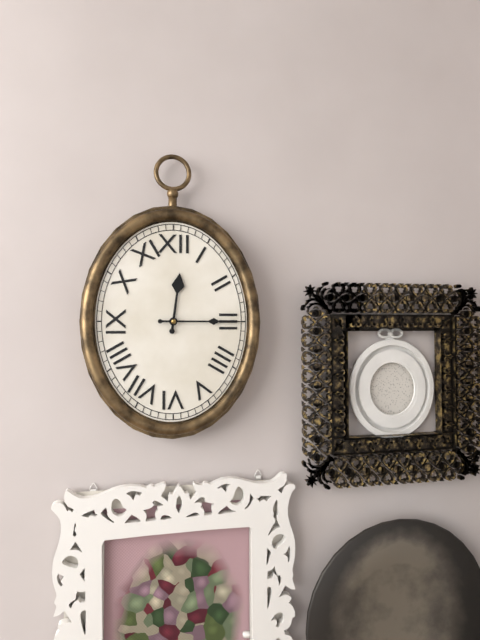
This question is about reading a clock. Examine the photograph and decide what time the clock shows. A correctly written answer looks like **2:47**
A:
**12:15**
